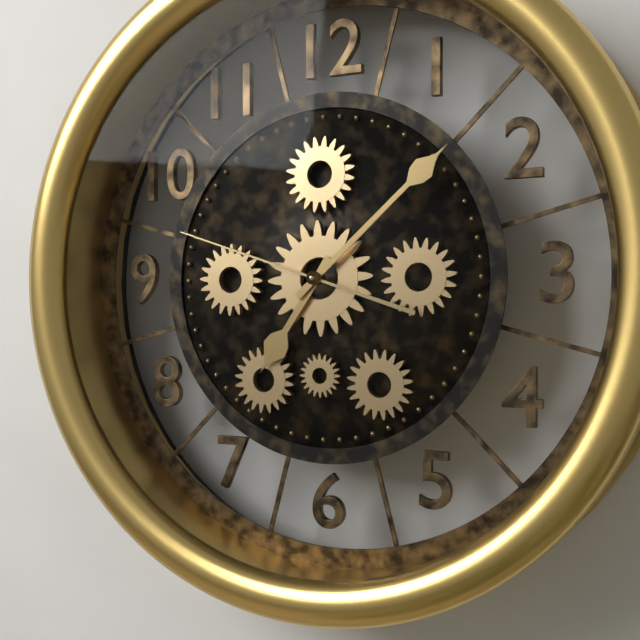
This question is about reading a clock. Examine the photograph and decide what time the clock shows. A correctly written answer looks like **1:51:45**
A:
**7:08:48**
